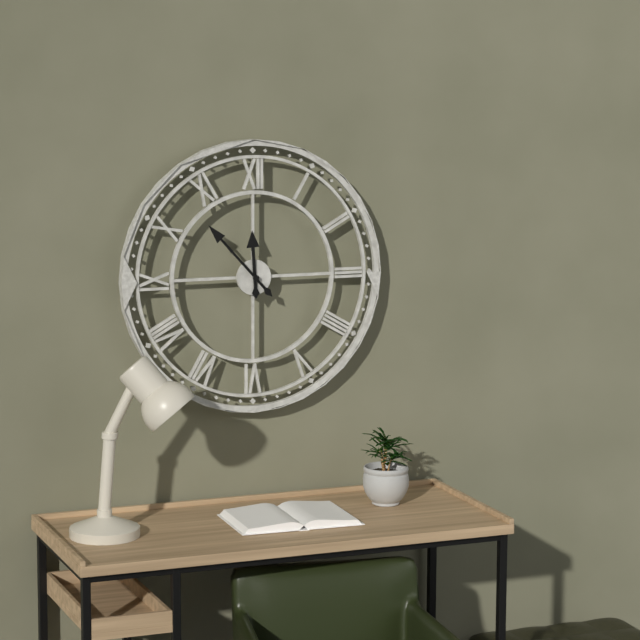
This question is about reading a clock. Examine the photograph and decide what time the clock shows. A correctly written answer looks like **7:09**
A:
**11:53**
